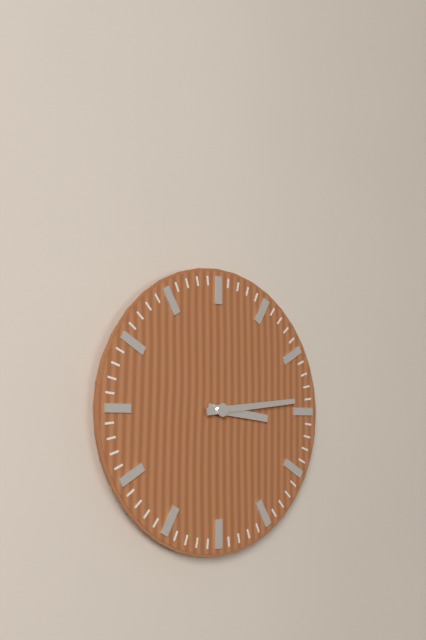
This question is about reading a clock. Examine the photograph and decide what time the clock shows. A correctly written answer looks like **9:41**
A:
**3:14**
